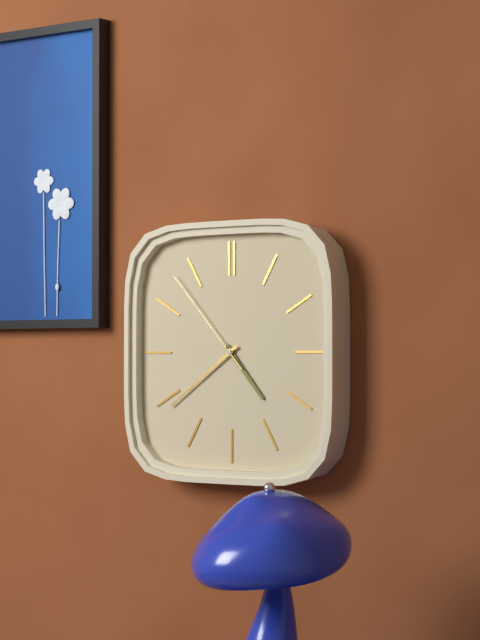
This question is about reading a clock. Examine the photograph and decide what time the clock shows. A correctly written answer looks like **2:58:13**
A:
**4:39:53**
